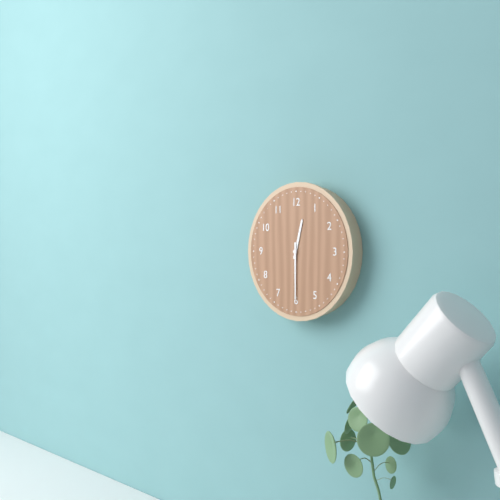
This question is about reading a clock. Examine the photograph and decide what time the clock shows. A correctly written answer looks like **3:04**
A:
**12:30**
